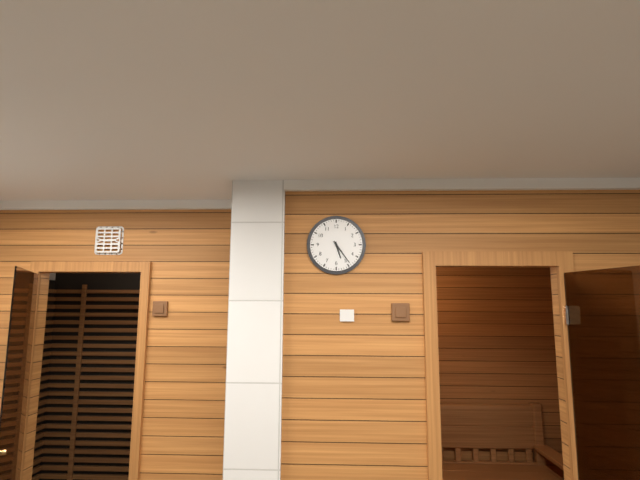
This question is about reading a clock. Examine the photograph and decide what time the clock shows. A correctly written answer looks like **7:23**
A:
**5:24**
